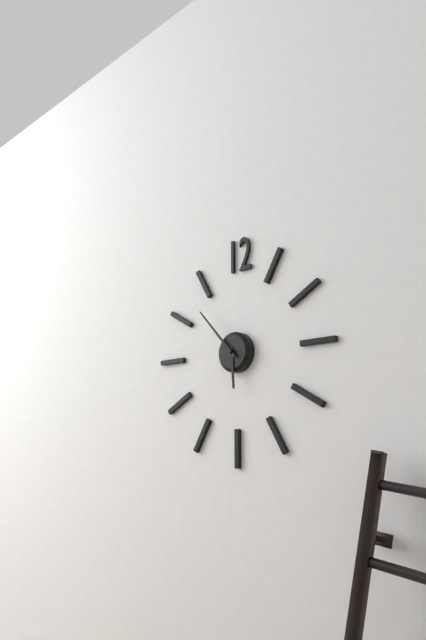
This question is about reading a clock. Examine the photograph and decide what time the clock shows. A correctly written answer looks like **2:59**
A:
**5:53**
